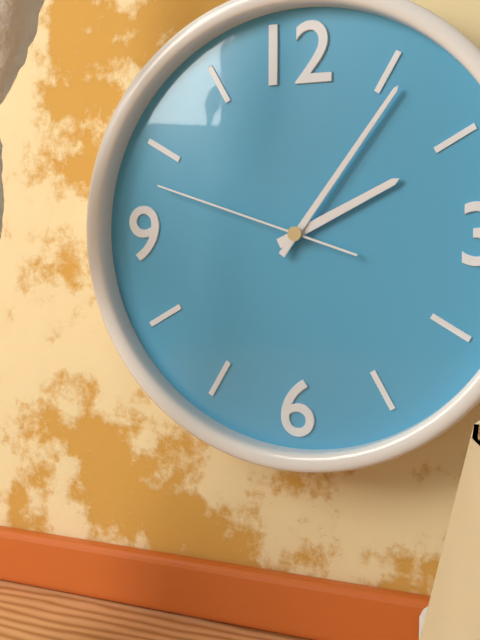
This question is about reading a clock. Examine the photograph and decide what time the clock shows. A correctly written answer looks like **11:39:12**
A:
**2:06:48**
